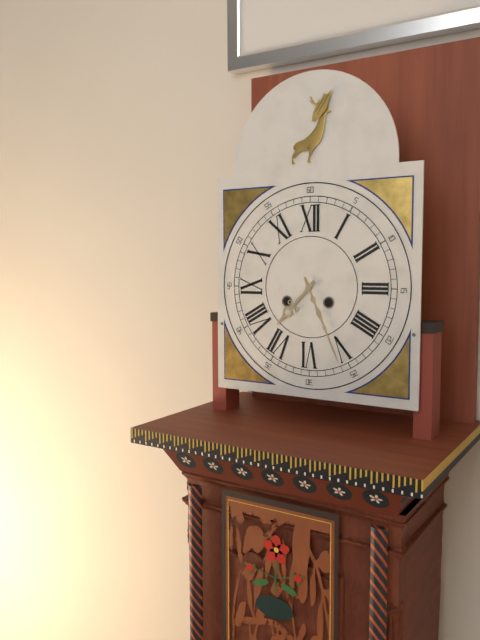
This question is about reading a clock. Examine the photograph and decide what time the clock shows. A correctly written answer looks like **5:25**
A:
**7:26**
